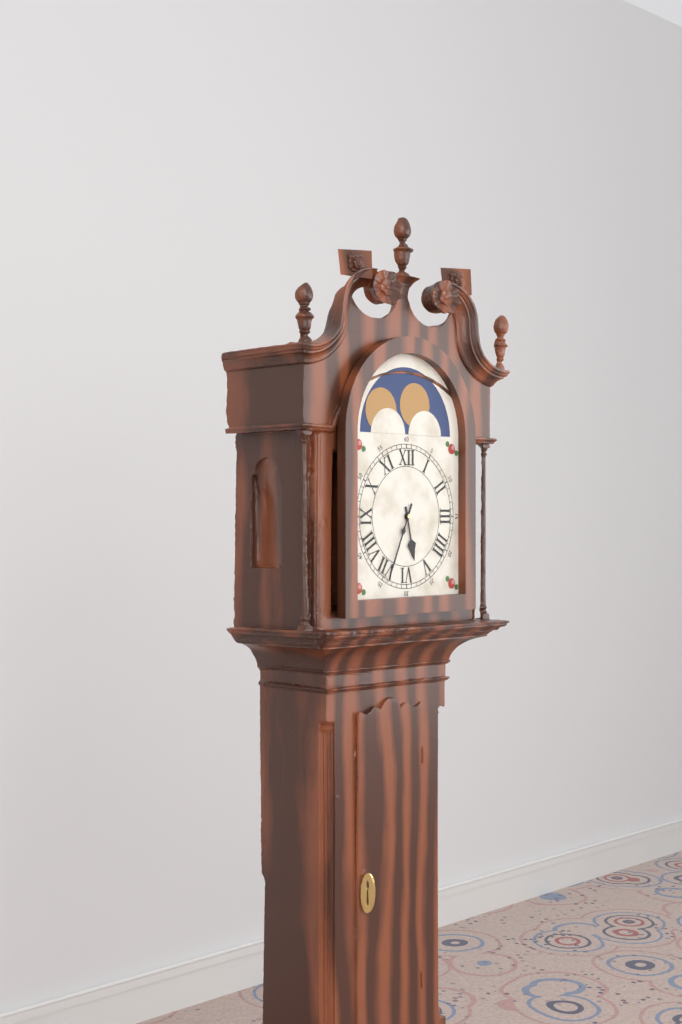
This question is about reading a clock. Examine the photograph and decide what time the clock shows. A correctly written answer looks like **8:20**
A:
**5:34**
